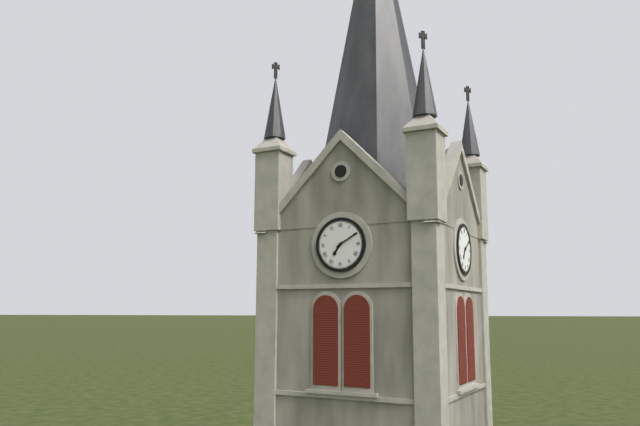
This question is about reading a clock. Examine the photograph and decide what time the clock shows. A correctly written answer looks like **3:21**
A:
**7:10**
